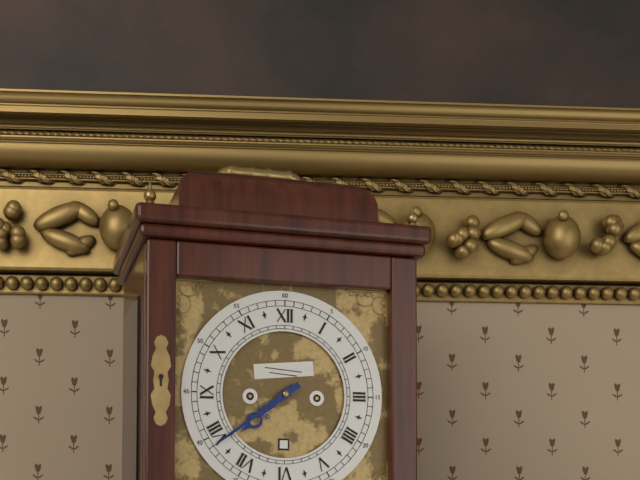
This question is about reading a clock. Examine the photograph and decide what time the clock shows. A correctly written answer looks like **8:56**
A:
**7:39**
